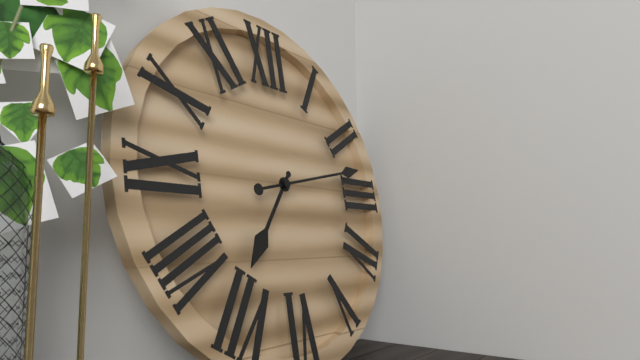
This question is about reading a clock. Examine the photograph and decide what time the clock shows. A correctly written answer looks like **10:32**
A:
**7:13**
